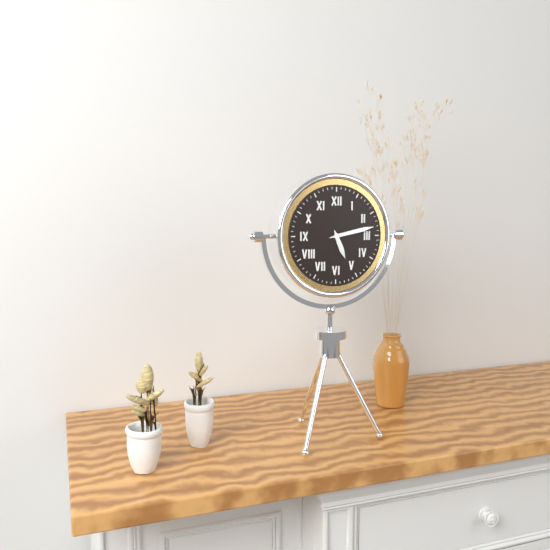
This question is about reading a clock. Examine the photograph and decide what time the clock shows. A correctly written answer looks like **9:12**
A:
**5:13**
